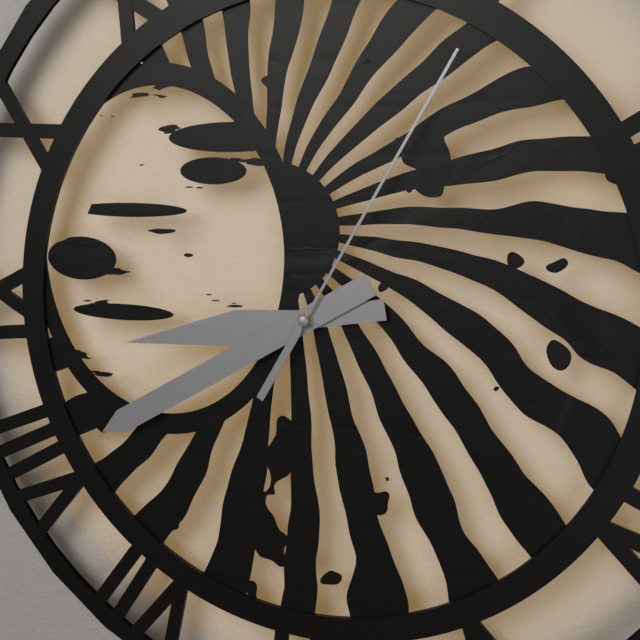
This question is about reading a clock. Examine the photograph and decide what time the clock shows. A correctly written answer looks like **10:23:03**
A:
**8:40:05**
